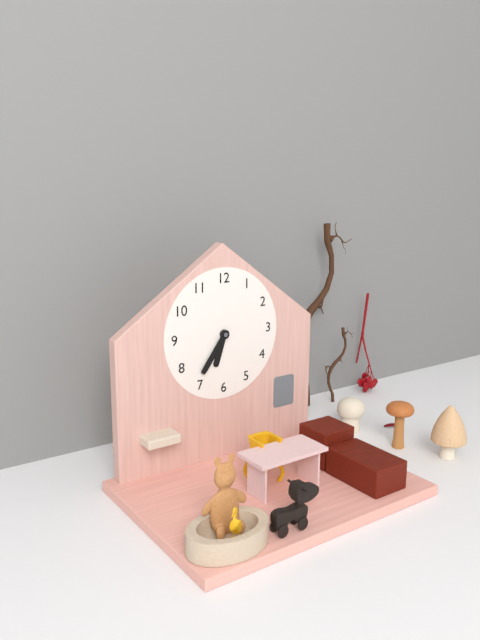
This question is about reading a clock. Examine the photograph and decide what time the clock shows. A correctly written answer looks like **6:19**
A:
**6:36**
